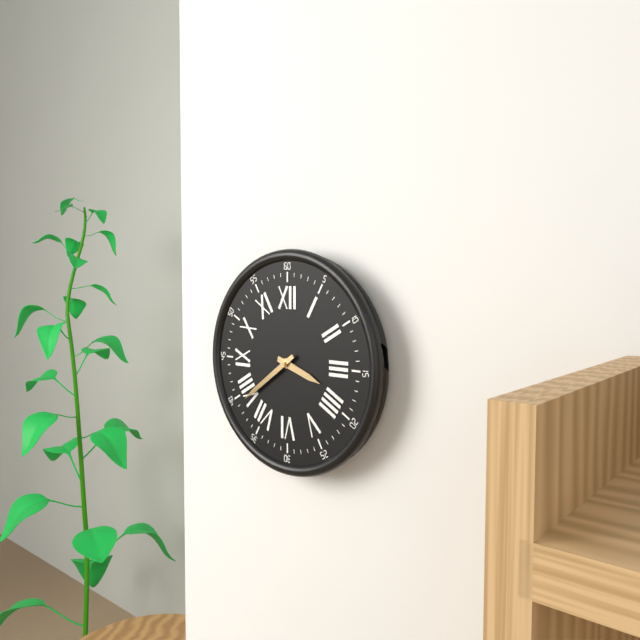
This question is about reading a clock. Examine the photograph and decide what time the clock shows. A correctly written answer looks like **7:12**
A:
**3:39**
